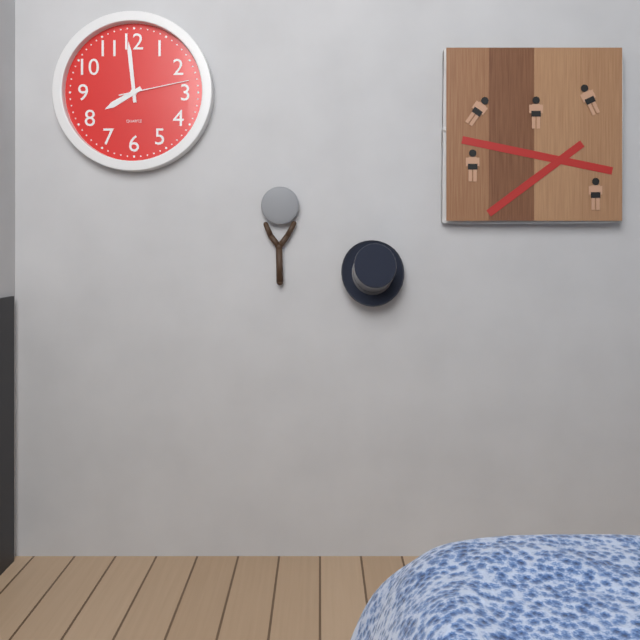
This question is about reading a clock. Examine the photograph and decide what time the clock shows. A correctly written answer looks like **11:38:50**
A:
**7:59:13**
